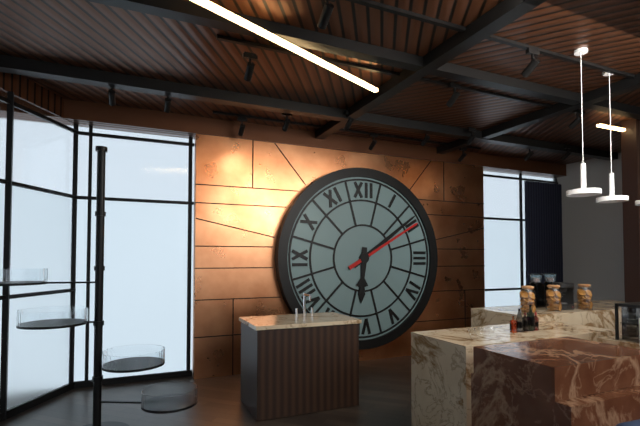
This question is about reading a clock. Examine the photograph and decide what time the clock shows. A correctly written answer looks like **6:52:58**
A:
**6:09:10**
